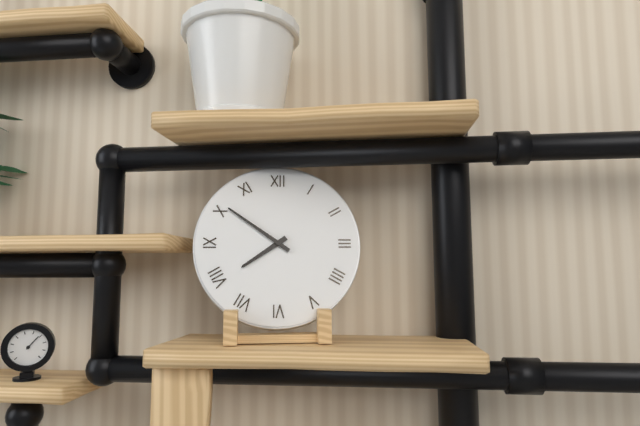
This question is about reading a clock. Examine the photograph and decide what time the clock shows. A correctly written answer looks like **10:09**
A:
**7:51**
